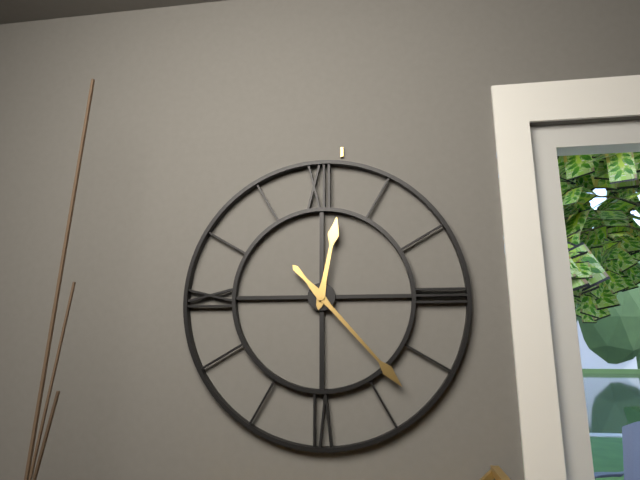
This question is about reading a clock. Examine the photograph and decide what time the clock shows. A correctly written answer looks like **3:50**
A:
**12:23**
